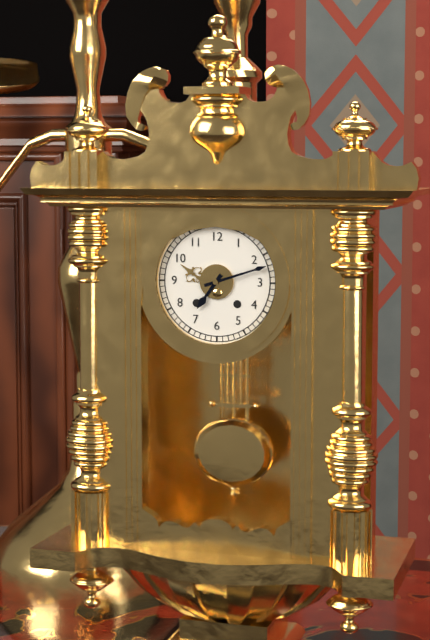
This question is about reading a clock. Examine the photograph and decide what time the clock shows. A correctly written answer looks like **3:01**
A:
**7:12**
